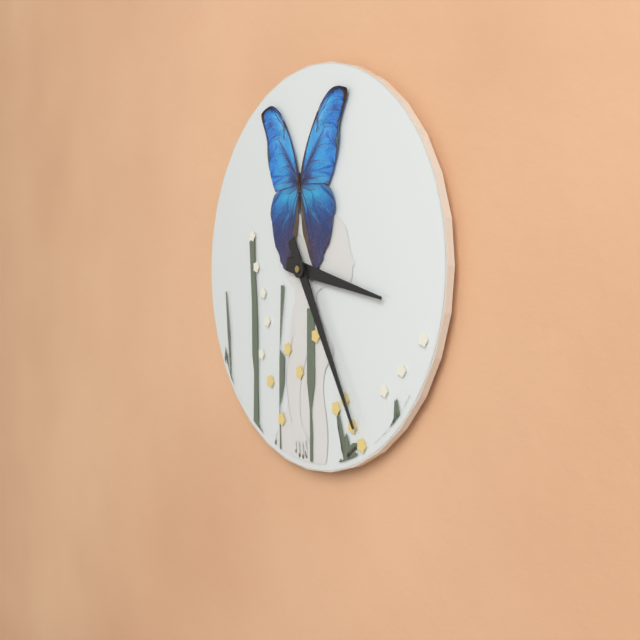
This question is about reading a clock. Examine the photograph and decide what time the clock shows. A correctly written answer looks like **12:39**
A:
**3:25**
